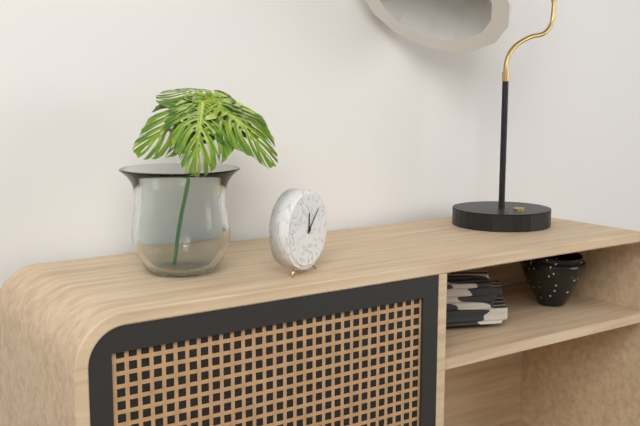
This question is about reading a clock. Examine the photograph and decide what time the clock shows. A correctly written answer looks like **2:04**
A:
**12:07**
